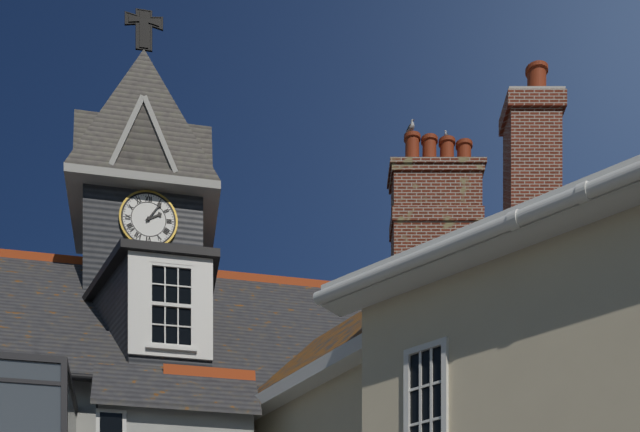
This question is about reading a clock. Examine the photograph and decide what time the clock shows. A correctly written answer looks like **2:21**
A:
**2:06**
